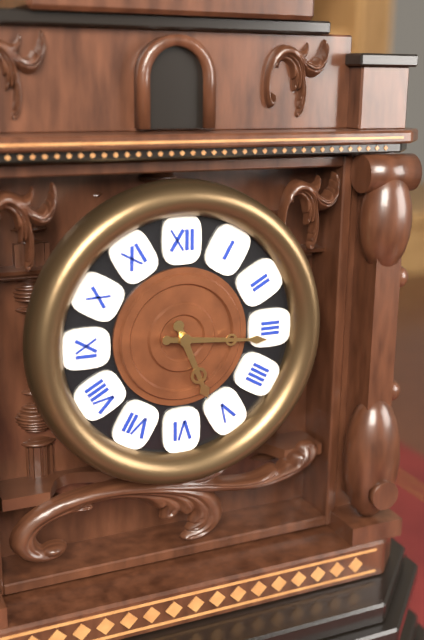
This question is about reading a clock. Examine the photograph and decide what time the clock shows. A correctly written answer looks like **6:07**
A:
**5:16**
